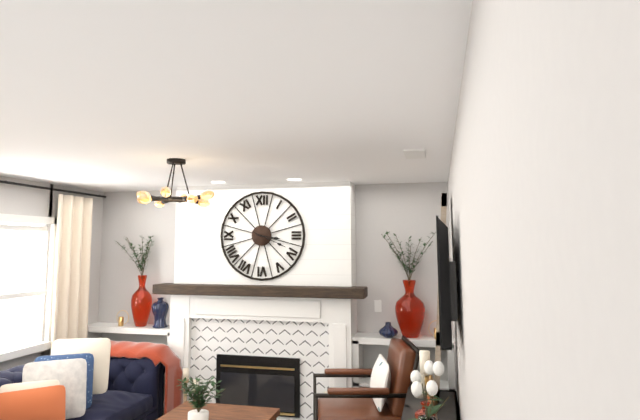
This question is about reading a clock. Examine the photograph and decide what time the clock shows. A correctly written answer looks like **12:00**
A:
**3:19**
